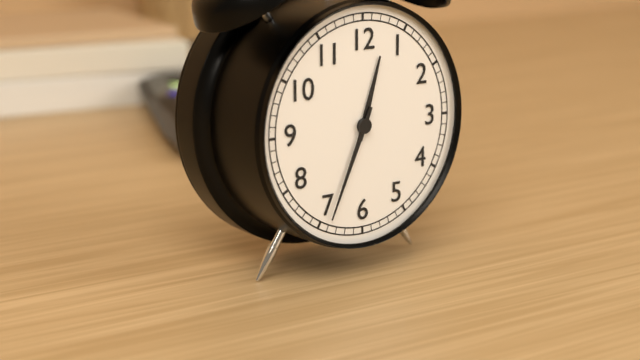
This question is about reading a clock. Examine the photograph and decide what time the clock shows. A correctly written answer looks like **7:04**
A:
**12:34**
